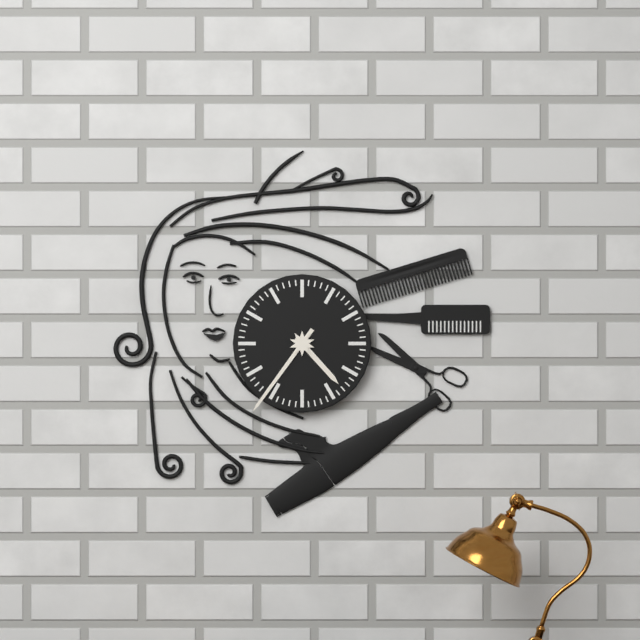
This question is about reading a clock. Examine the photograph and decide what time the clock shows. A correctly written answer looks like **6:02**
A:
**4:36**
